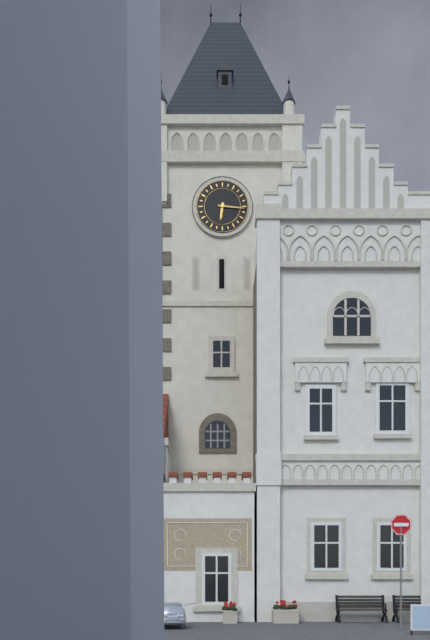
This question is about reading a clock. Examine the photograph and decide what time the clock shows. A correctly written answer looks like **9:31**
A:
**6:16**
